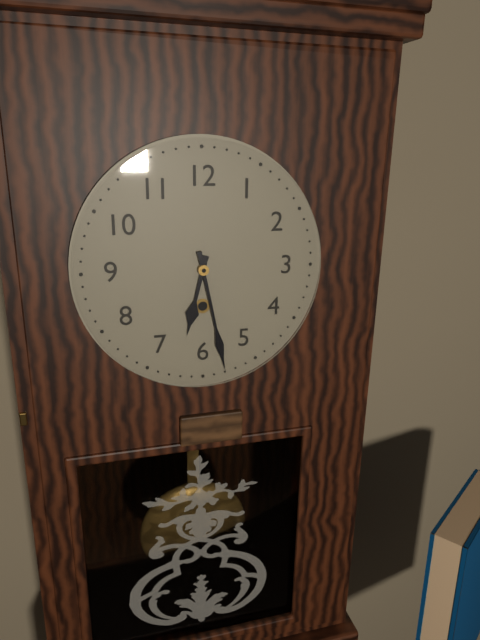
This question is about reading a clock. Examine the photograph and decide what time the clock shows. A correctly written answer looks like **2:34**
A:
**6:28**
